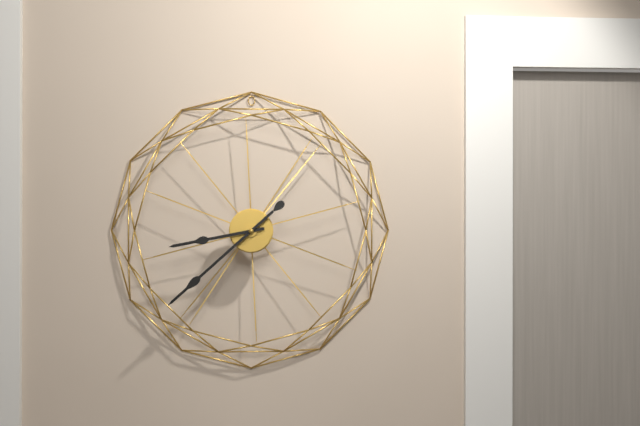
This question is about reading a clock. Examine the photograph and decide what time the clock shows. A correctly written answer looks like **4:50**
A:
**8:38**
